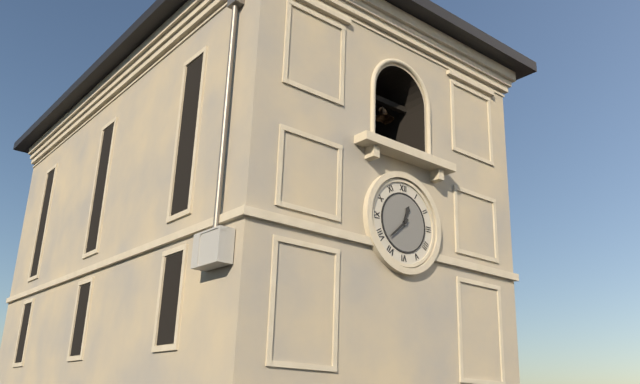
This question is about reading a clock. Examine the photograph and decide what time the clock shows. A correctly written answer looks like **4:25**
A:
**12:38**
